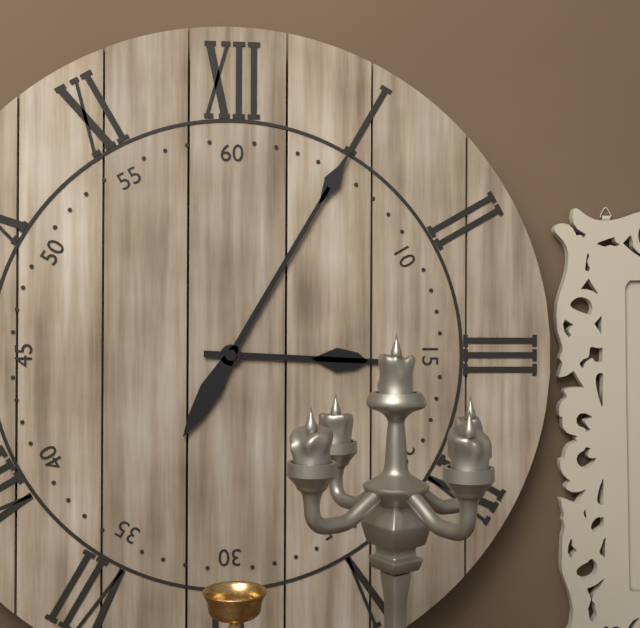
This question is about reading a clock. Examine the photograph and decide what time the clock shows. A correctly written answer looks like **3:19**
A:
**3:05**
